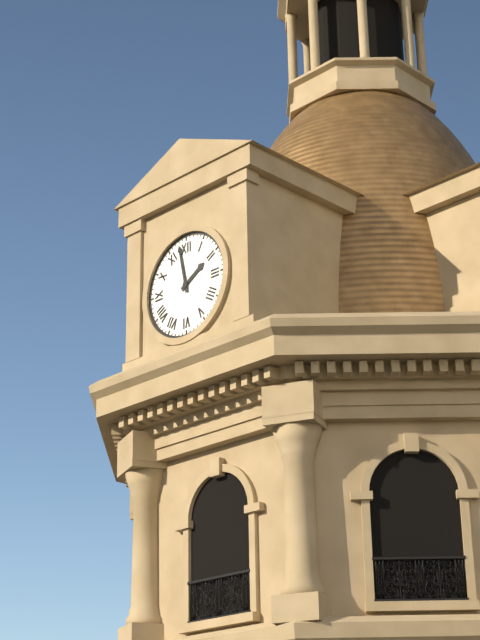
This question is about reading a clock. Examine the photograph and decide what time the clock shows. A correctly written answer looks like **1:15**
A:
**1:58**
